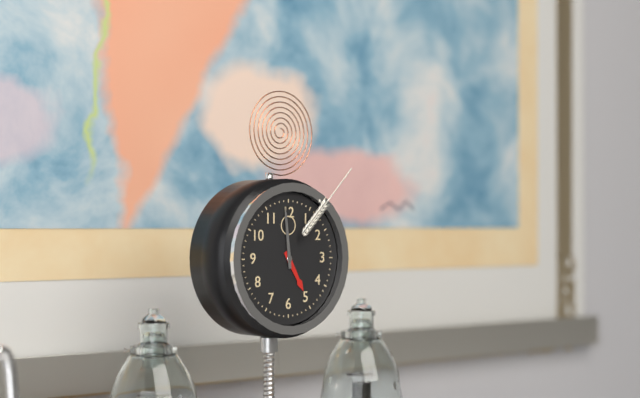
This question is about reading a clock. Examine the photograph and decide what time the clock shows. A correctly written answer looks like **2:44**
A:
**4:59**
